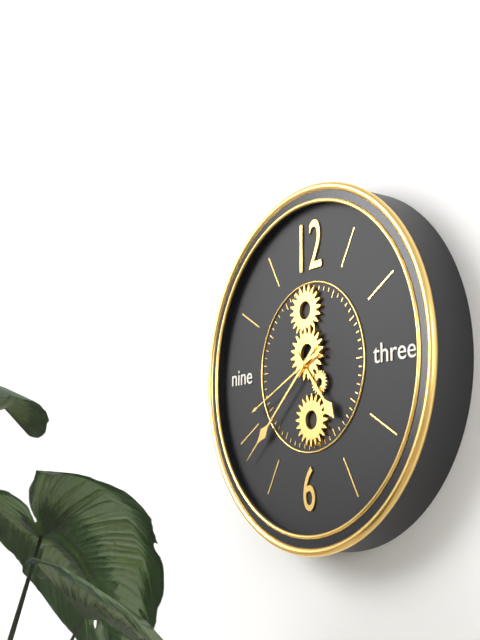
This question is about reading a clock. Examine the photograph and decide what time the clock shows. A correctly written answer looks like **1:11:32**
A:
**4:38:41**
